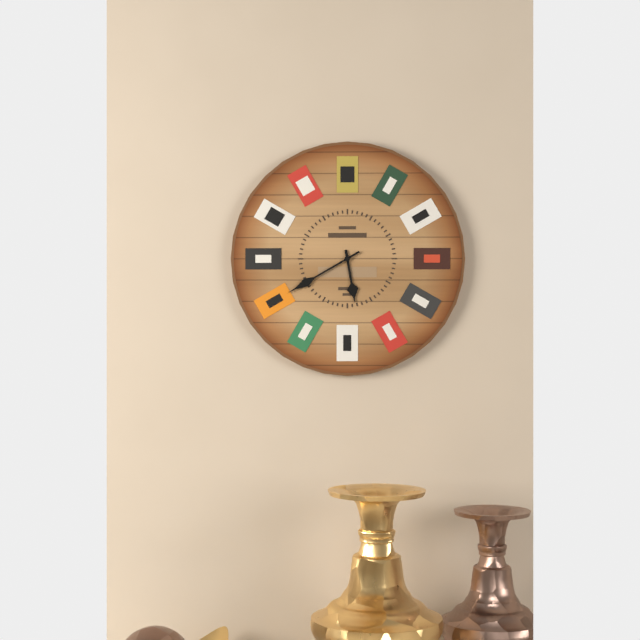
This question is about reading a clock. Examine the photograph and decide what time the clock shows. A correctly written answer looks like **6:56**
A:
**5:40**
